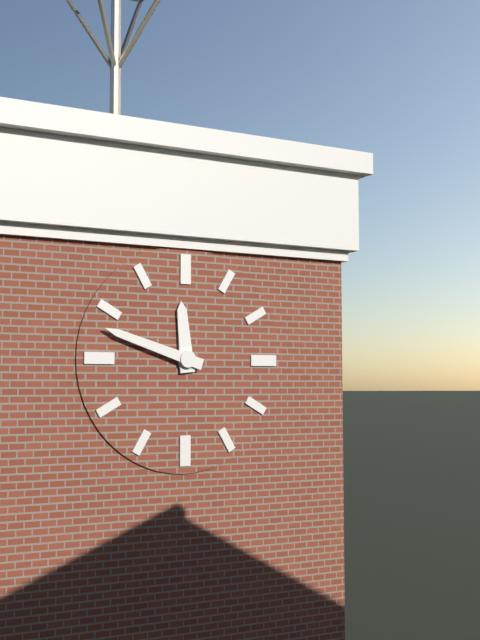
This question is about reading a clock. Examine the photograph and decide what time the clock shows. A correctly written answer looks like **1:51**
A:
**11:48**
